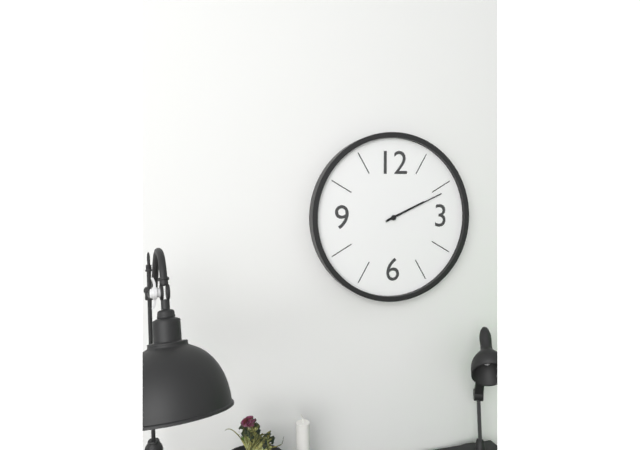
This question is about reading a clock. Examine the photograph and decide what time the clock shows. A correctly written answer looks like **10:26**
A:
**2:11**
